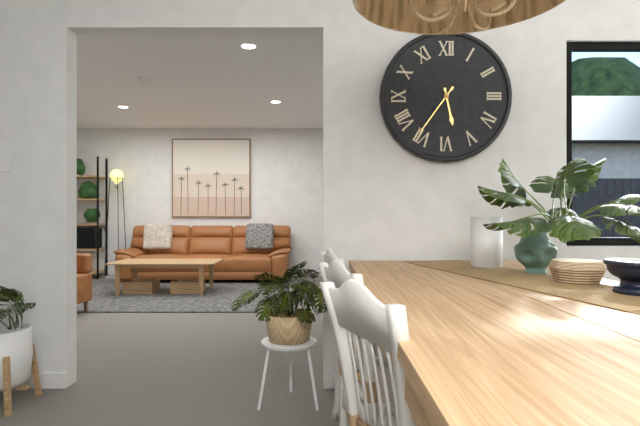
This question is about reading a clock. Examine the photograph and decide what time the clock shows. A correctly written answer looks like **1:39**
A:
**5:36**
